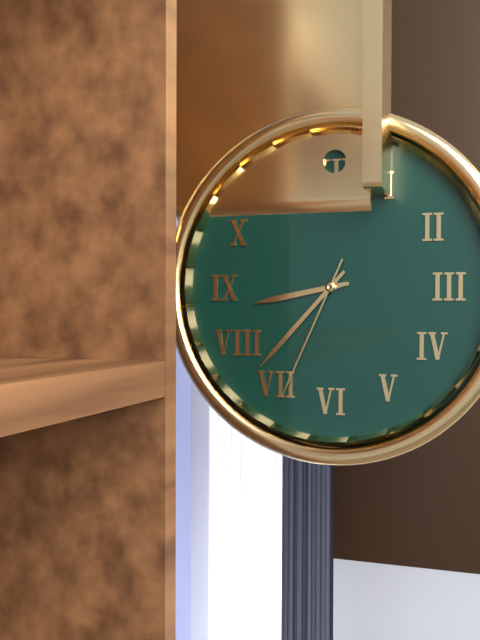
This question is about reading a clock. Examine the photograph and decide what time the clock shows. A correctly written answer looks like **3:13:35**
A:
**8:37:34**
